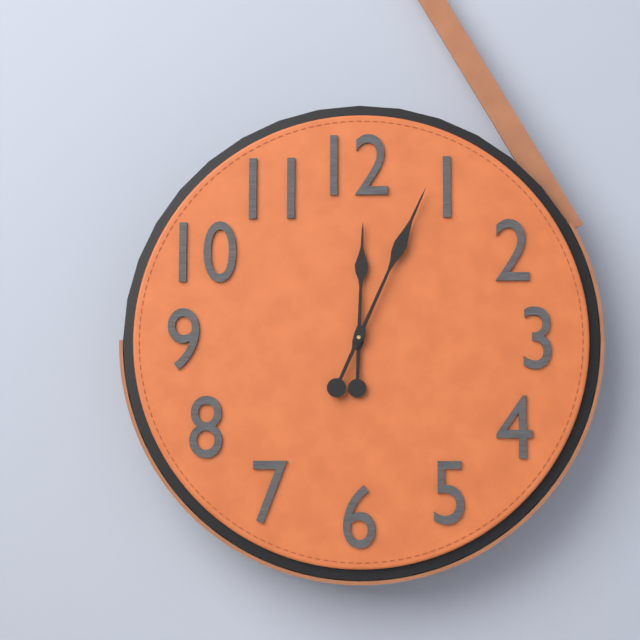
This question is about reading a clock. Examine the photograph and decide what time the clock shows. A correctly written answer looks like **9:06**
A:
**12:04**
